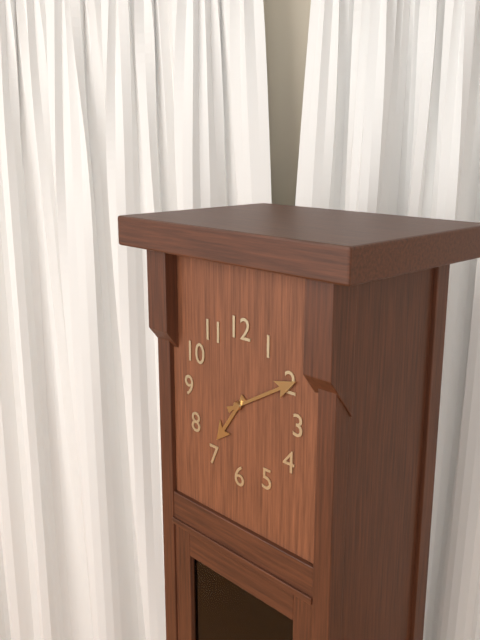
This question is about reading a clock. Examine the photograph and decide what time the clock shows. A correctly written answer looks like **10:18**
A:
**7:10**
